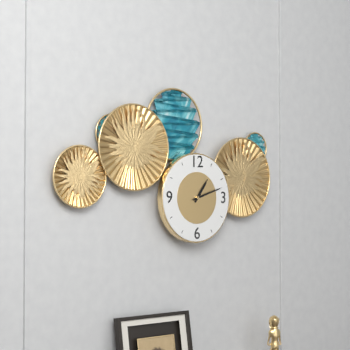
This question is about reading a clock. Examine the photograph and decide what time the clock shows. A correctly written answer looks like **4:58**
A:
**1:12**
